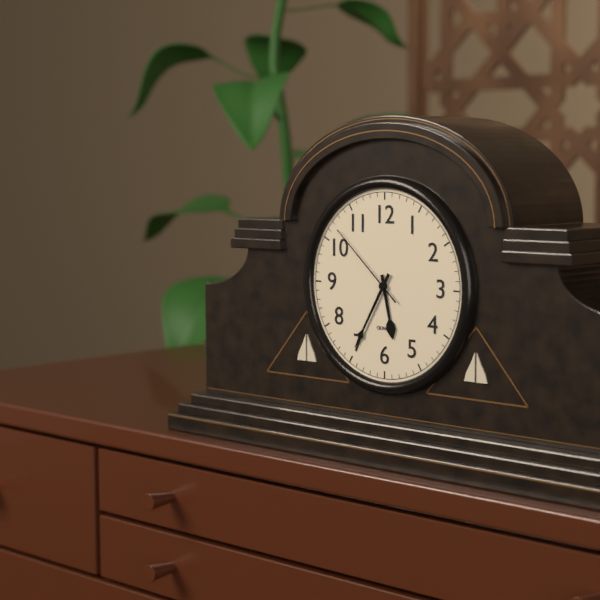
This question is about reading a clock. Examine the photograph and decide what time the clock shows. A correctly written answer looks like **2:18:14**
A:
**5:35:52**
